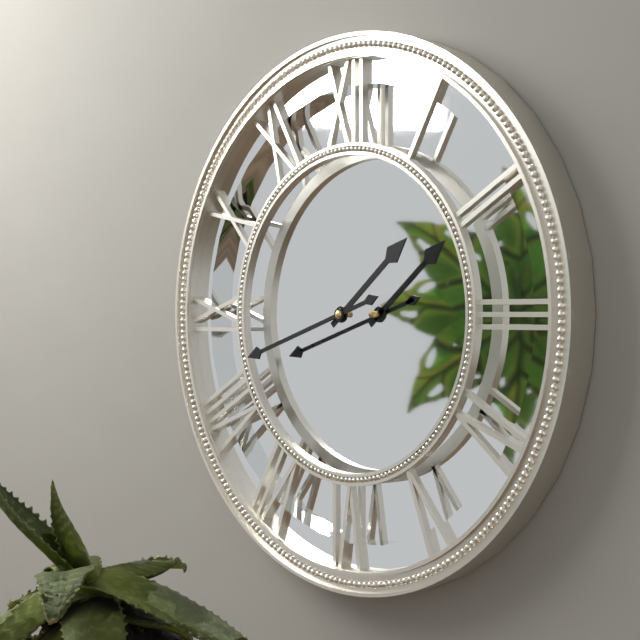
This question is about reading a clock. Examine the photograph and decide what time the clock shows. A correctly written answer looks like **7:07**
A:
**1:42**
